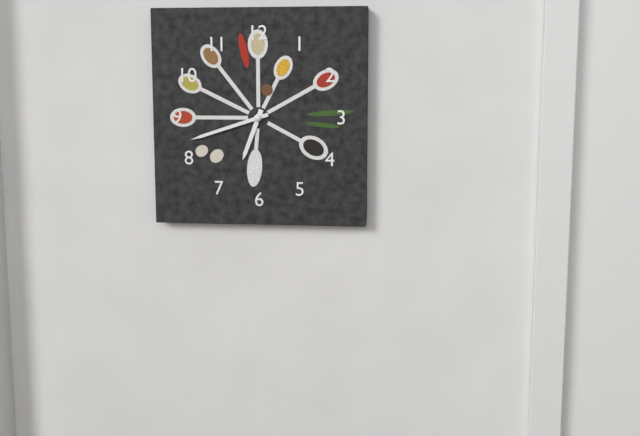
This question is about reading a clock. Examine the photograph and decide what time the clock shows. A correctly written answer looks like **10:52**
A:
**6:42**
